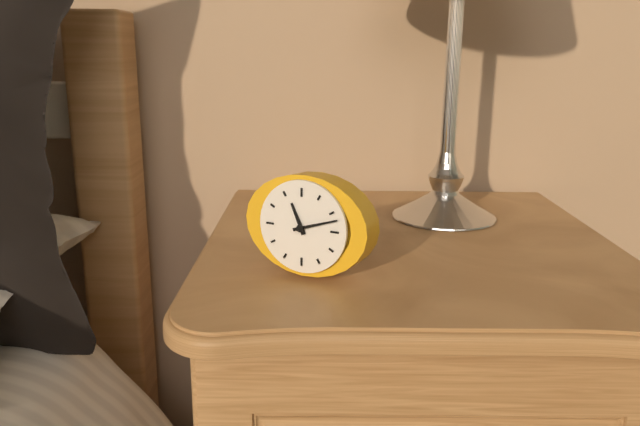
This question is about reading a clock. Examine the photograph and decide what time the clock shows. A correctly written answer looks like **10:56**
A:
**11:12**
